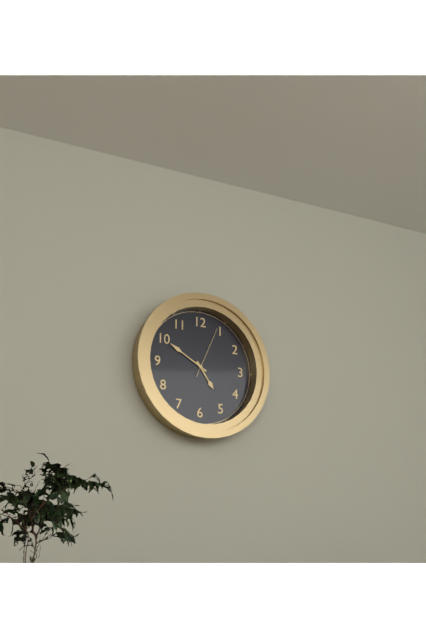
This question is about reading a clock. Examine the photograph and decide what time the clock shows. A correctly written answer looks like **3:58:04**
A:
**4:50:04**
